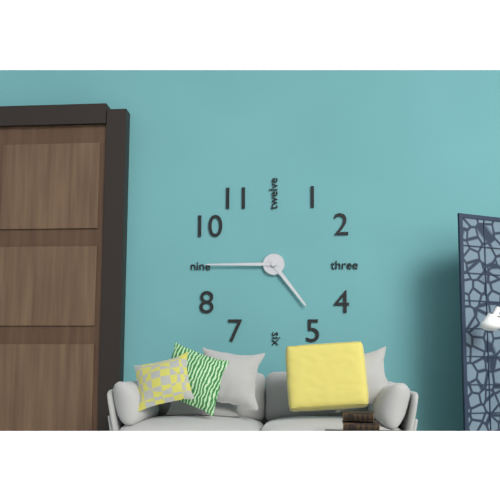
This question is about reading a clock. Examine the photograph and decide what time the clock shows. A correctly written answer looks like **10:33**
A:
**4:45**
